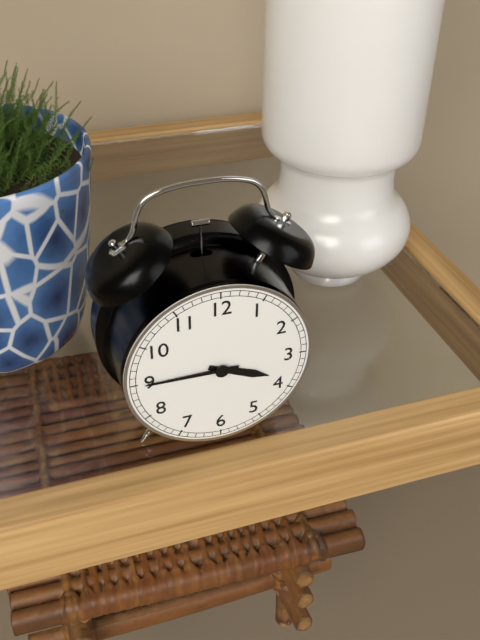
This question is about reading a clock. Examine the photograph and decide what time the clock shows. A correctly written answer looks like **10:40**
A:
**3:45**
